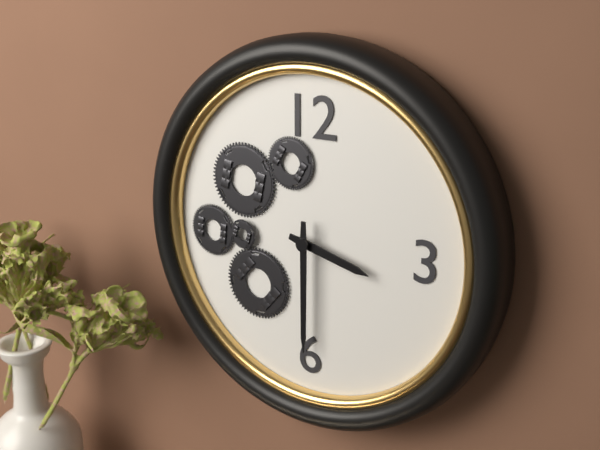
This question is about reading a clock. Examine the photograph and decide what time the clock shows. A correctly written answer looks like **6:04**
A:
**3:30**
